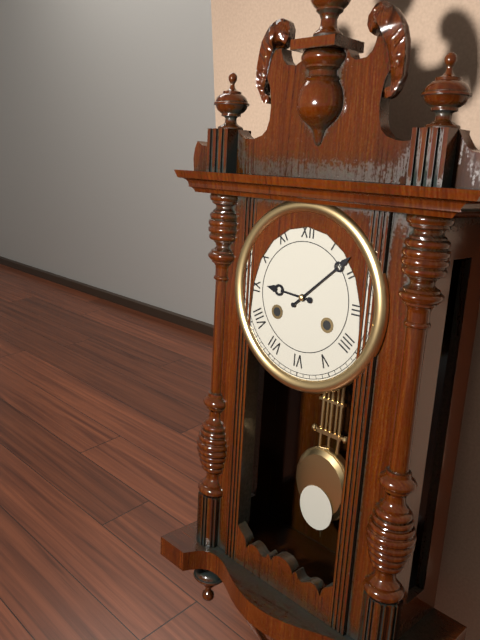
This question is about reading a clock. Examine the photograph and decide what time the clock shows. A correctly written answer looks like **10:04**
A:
**9:08**
